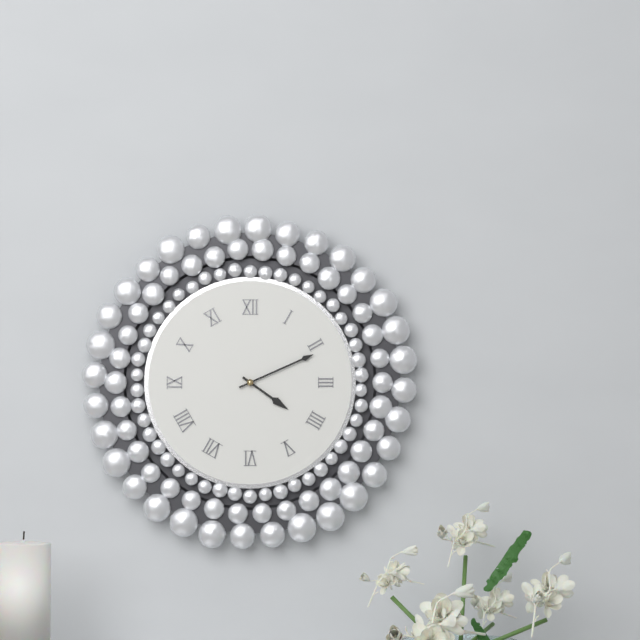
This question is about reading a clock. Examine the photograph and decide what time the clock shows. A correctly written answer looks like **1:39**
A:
**4:11**
